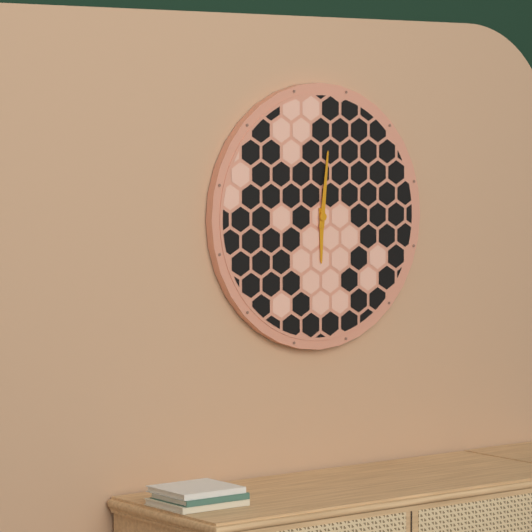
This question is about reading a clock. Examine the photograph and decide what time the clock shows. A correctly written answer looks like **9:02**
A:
**6:01**
